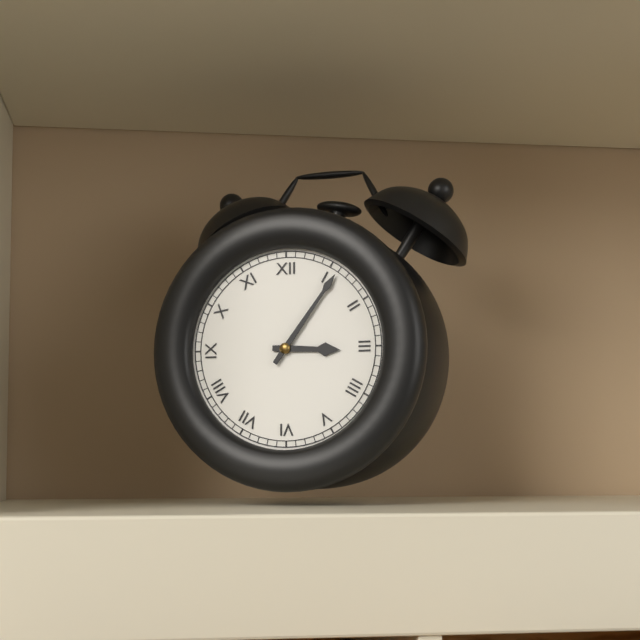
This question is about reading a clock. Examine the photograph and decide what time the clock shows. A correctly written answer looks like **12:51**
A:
**3:06**
